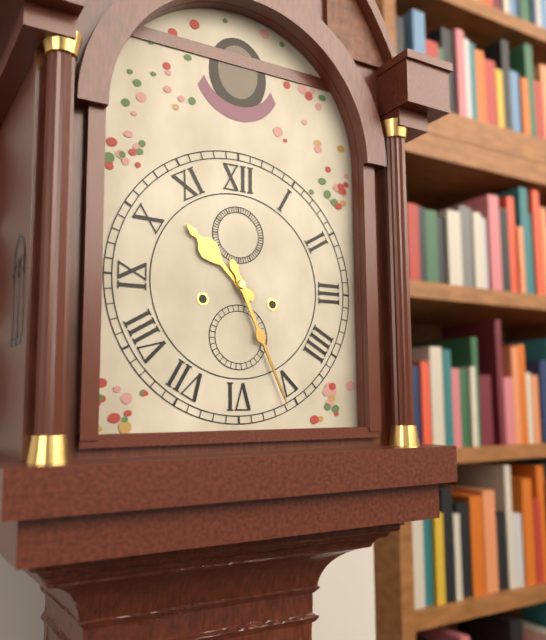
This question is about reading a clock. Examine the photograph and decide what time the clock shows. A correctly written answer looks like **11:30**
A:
**10:26**
